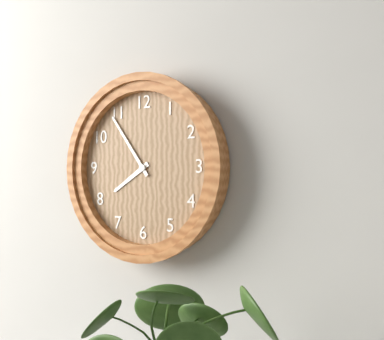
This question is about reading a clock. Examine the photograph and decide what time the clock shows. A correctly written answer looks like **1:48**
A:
**7:54**
